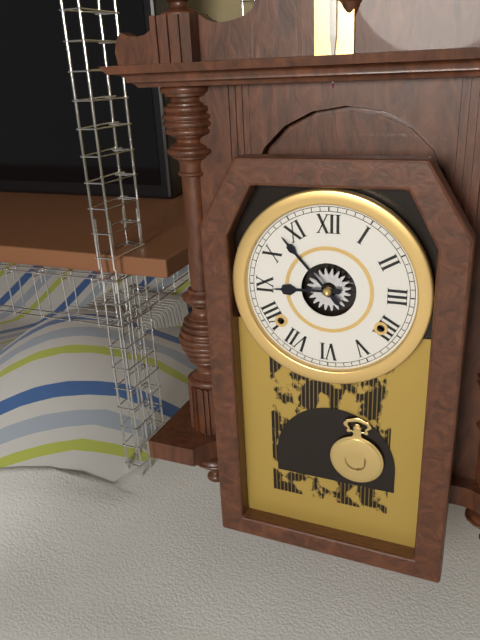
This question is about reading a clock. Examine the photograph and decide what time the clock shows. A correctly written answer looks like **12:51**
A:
**8:53**
